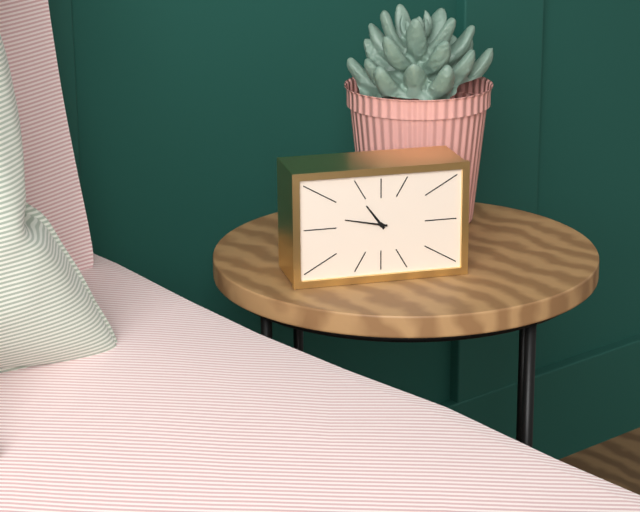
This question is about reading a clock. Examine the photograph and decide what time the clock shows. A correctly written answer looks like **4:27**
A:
**10:47**
